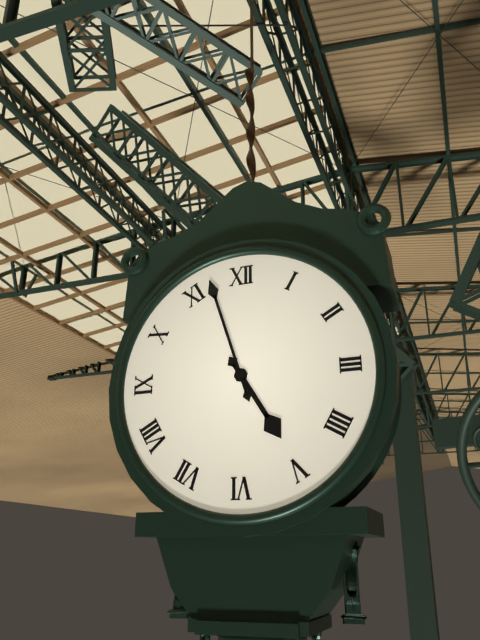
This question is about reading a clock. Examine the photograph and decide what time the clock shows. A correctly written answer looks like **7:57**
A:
**4:57**
